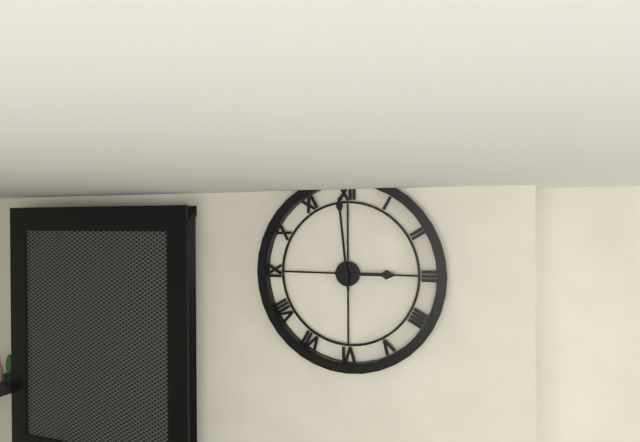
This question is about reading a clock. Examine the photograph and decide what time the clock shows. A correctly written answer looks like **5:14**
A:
**2:59**
